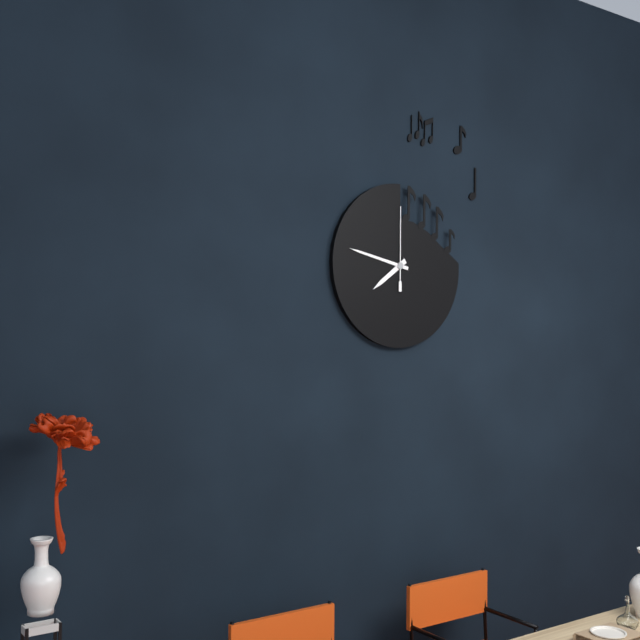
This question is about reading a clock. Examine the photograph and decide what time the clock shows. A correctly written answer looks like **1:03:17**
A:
**7:47:00**
